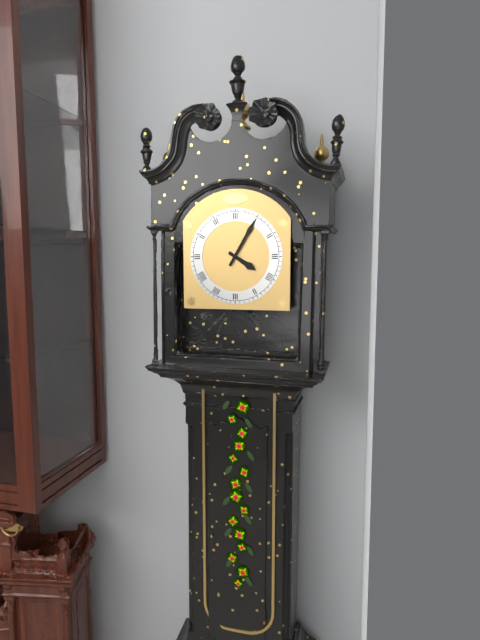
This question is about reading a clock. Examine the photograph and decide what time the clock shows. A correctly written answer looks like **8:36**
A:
**4:05**
